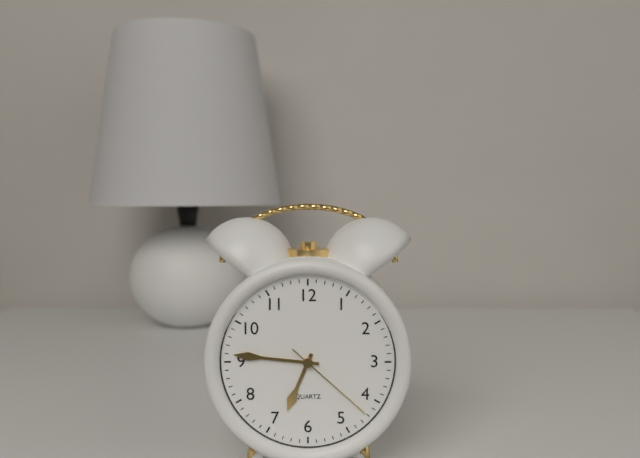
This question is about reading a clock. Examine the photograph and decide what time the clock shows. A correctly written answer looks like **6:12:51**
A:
**6:46:22**
